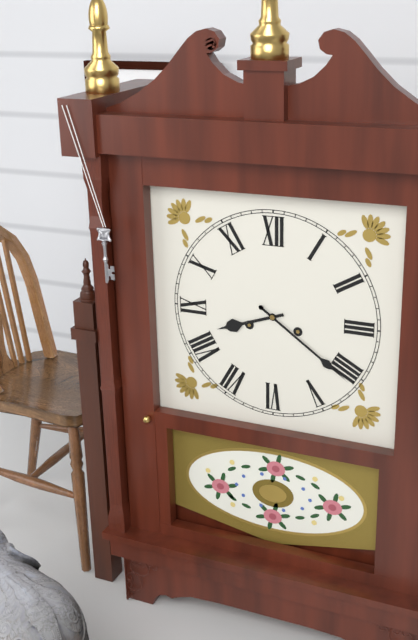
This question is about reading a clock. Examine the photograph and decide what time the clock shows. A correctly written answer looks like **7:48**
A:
**8:21**
